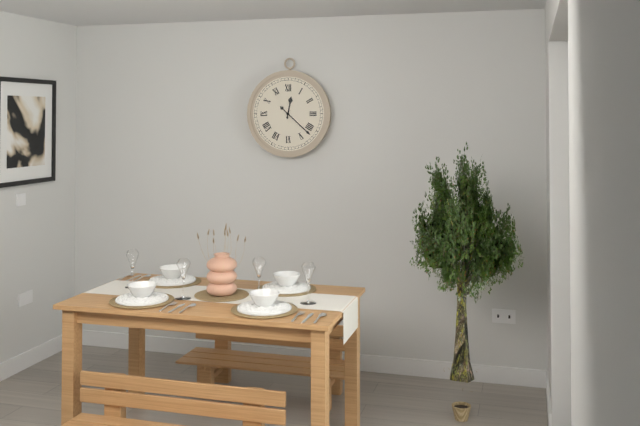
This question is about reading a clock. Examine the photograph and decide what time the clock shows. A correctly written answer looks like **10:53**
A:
**12:22**
